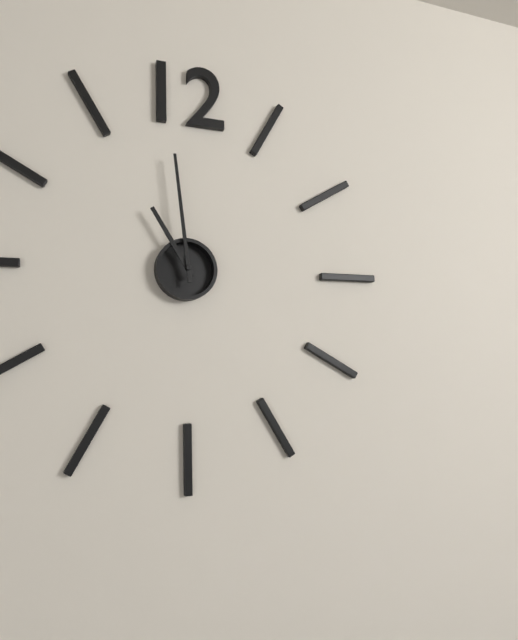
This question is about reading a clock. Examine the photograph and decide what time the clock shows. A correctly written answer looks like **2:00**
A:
**10:59**
